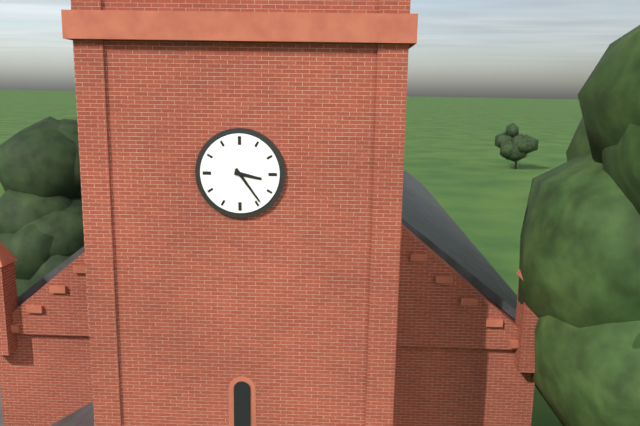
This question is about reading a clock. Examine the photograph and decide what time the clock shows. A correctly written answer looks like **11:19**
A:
**3:24**
